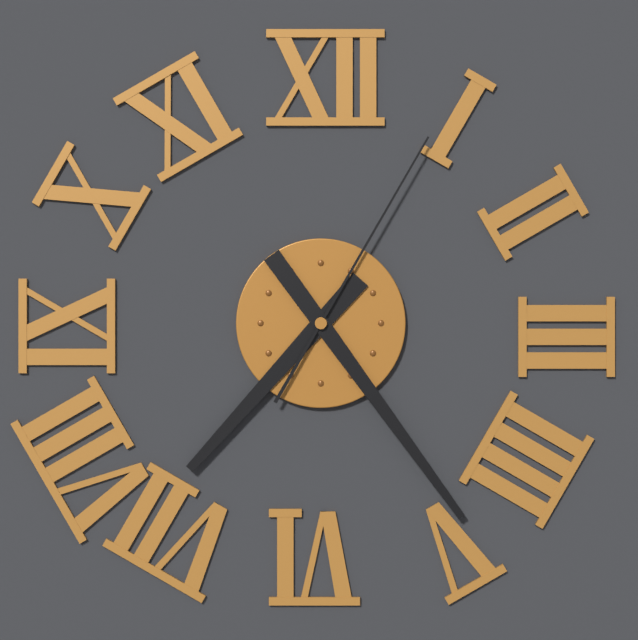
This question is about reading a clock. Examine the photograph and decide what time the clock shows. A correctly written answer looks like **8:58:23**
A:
**7:24:05**
